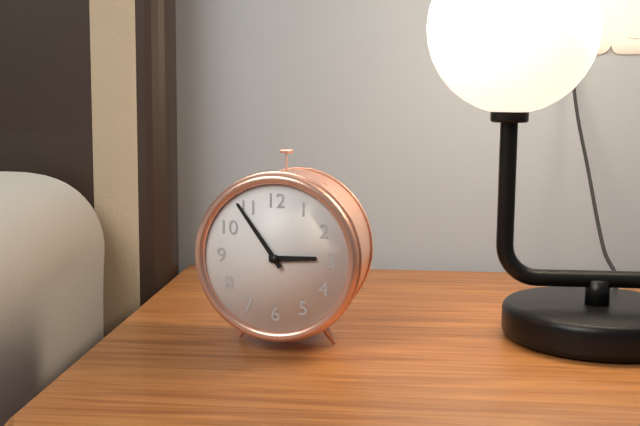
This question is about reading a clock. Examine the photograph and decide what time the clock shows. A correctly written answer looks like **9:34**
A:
**2:54**
